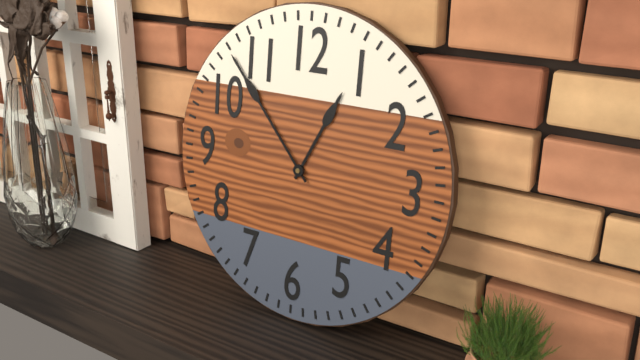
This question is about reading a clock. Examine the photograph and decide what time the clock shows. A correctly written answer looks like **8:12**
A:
**12:53**
